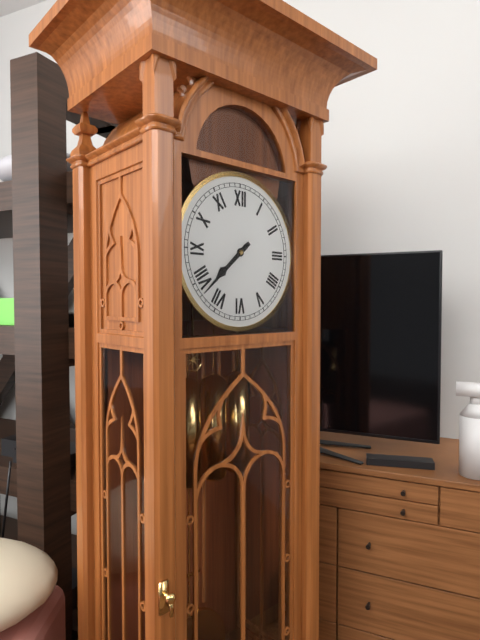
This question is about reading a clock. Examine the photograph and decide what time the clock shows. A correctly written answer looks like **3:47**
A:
**7:38**
